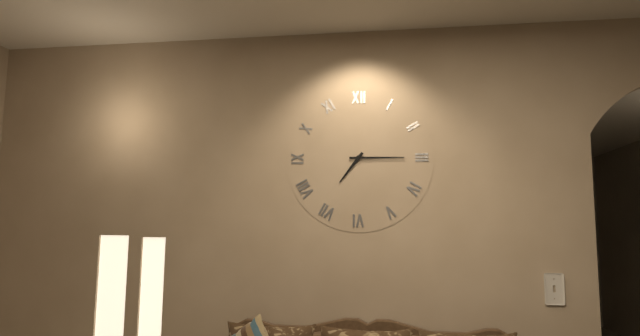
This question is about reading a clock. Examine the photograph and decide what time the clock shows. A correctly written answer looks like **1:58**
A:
**7:15**
